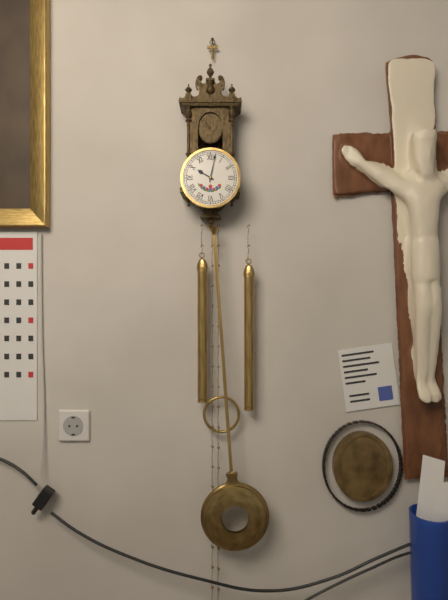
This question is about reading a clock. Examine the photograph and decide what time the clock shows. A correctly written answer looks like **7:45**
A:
**10:02**
